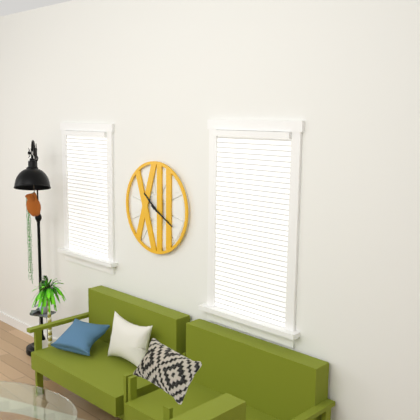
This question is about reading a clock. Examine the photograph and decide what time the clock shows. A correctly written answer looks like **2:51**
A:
**10:20**
